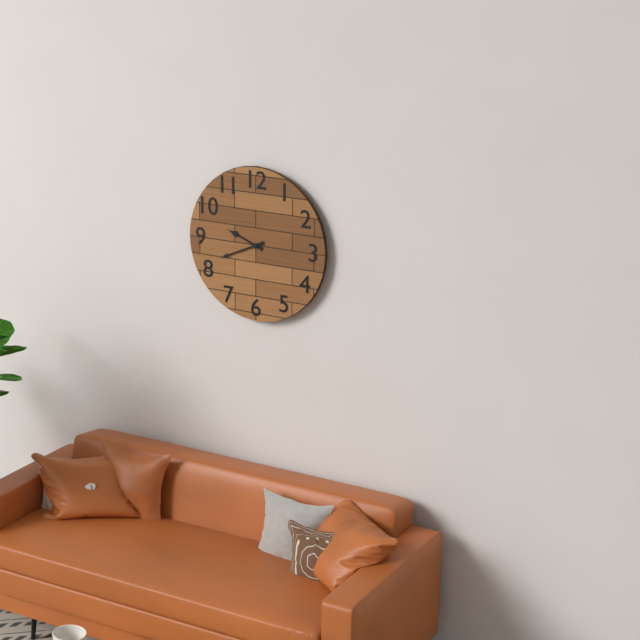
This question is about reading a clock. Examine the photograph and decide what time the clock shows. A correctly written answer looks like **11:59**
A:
**9:41**
